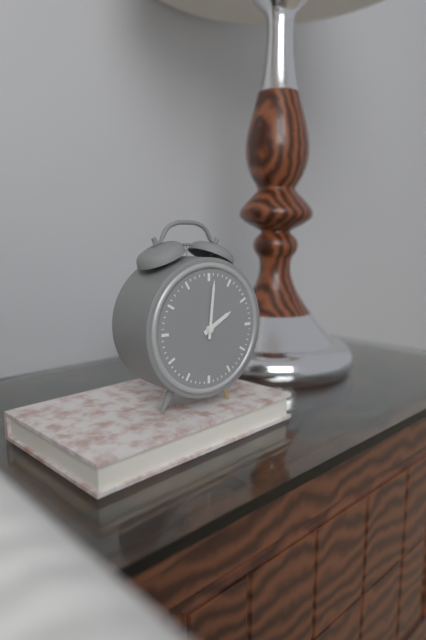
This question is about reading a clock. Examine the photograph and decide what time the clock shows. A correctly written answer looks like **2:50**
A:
**2:01**
